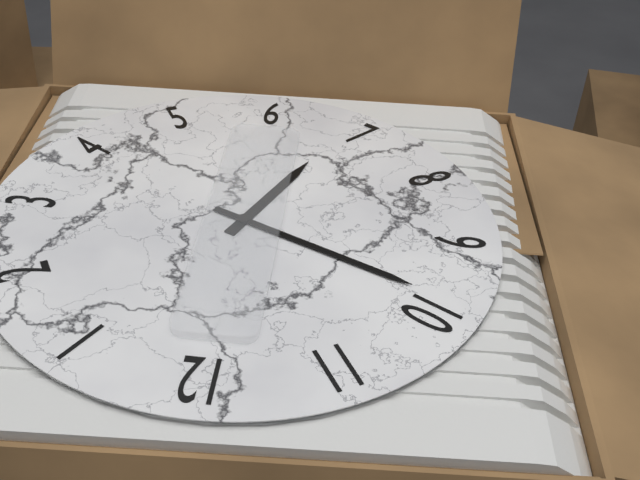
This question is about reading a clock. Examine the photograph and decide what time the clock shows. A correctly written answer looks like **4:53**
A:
**6:49**
